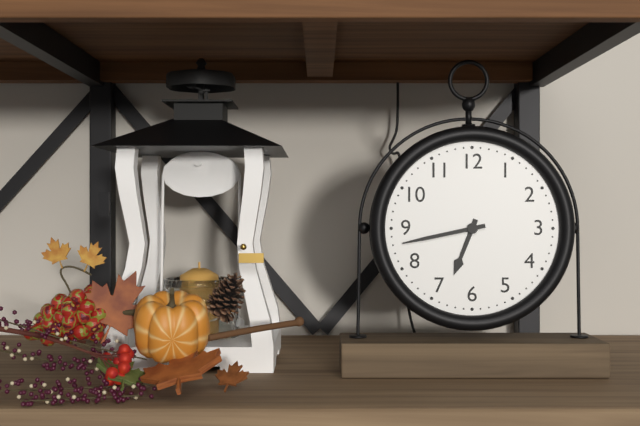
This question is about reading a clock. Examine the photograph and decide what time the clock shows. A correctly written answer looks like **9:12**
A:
**6:43**
